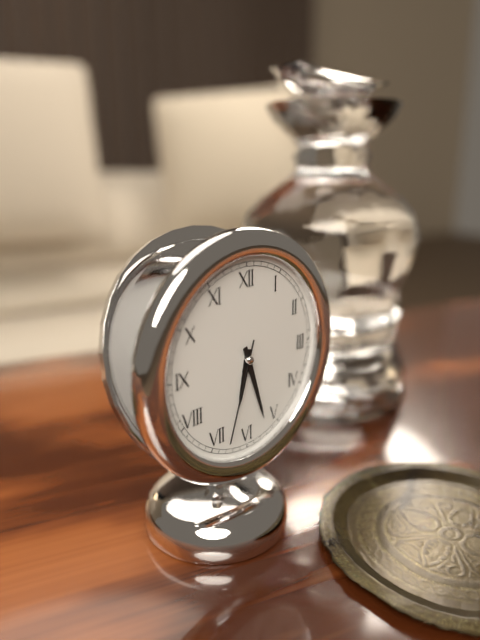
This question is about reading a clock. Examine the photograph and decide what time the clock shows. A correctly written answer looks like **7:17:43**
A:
**6:27:33**
